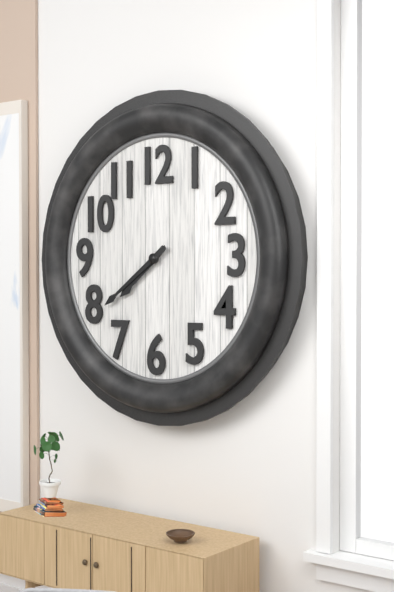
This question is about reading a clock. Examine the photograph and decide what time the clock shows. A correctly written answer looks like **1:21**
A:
**7:39**
